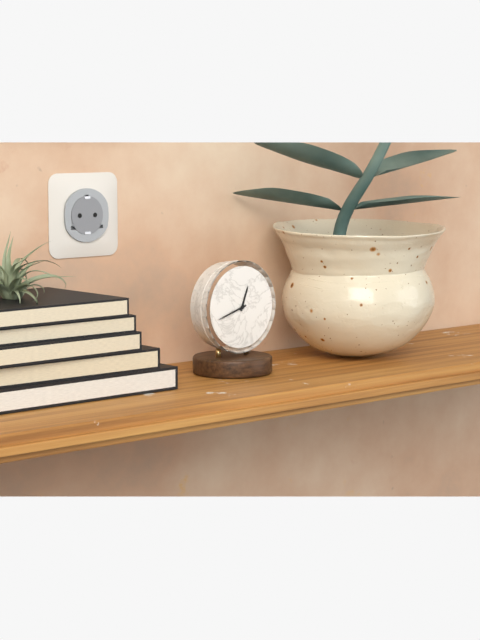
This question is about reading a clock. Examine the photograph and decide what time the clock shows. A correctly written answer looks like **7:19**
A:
**12:42**
